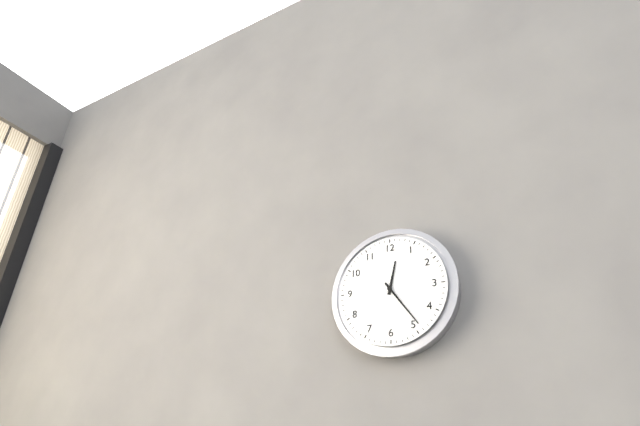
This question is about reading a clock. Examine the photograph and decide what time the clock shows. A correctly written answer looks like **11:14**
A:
**12:24**
